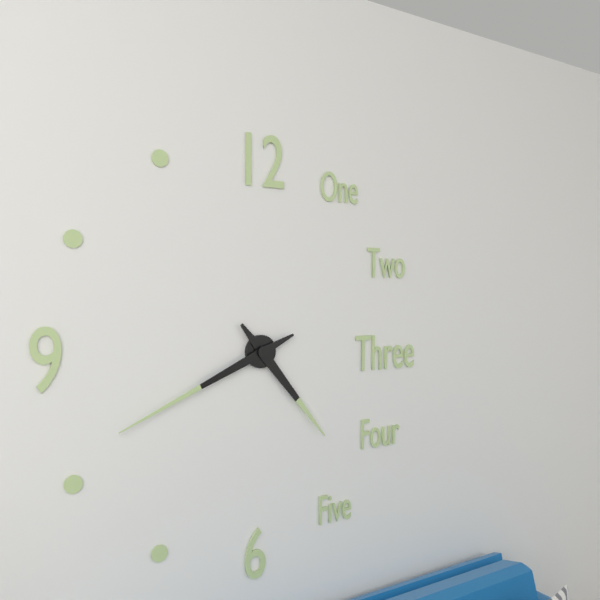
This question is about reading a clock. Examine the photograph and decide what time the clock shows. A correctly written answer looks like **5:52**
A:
**4:41**
